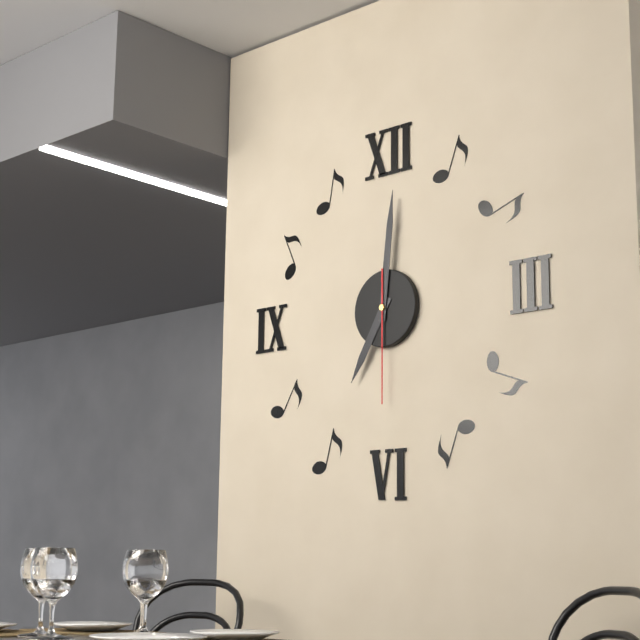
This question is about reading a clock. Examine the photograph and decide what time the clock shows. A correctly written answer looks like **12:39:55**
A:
**7:01:30**
